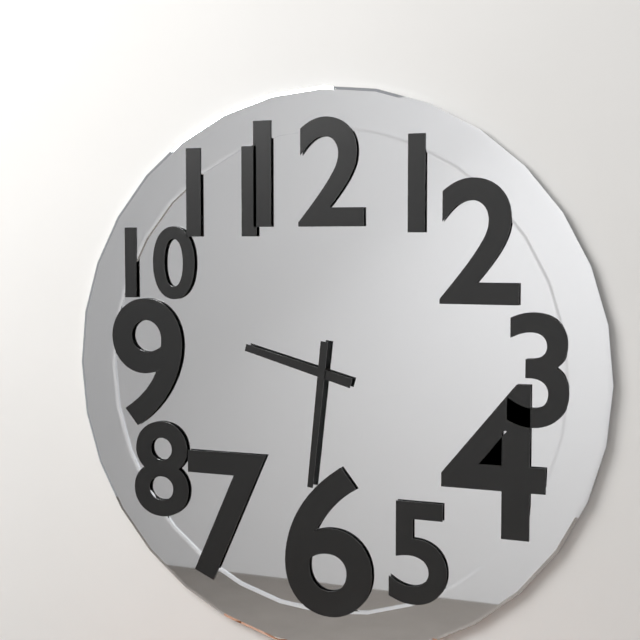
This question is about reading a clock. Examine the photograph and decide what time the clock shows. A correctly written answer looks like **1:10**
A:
**9:31**
